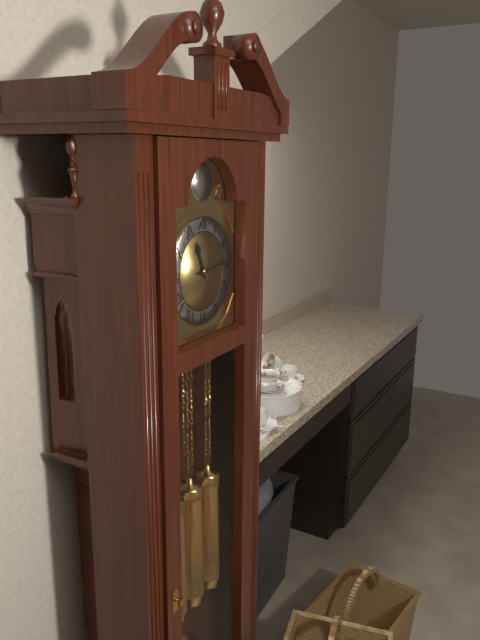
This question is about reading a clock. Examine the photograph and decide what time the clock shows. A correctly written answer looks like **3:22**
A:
**11:14**
